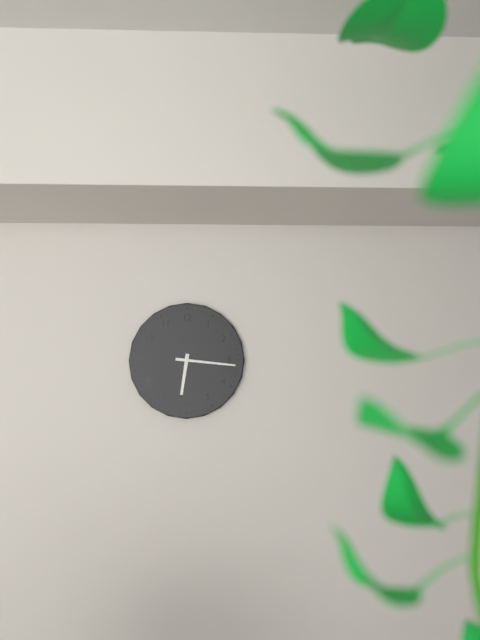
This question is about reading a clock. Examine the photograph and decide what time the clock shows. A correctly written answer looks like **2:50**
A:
**6:16**
